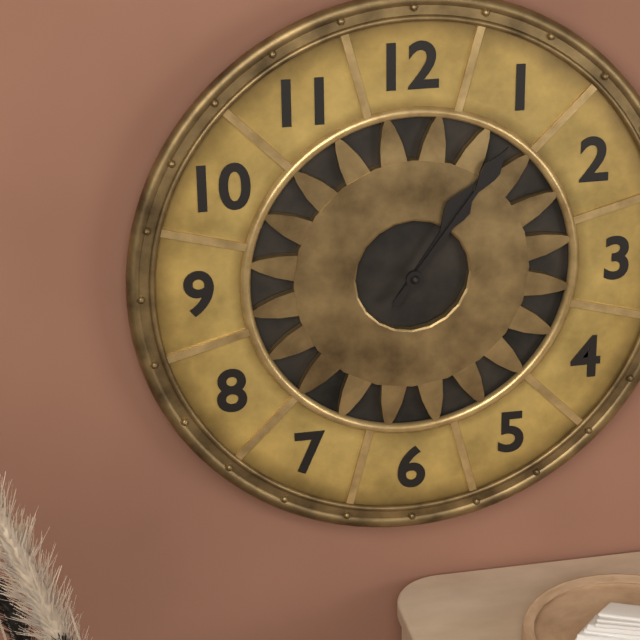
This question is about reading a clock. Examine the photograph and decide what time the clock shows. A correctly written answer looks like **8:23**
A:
**1:06**
